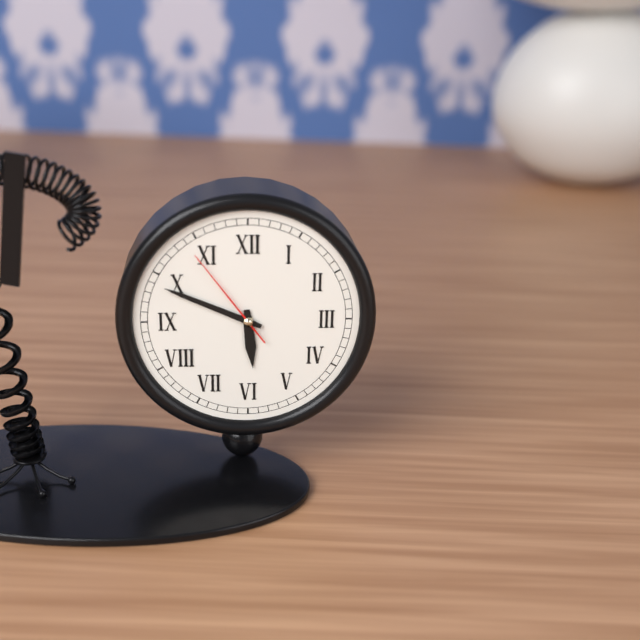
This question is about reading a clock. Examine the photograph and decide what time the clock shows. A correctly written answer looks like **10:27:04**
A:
**5:49:54**
